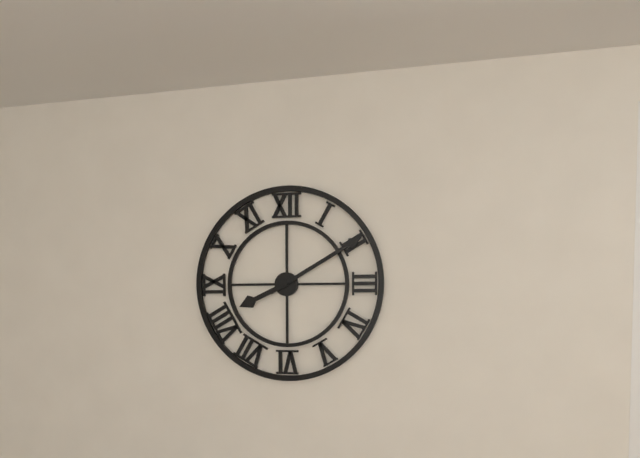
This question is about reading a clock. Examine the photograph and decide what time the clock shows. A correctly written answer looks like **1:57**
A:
**8:10**
